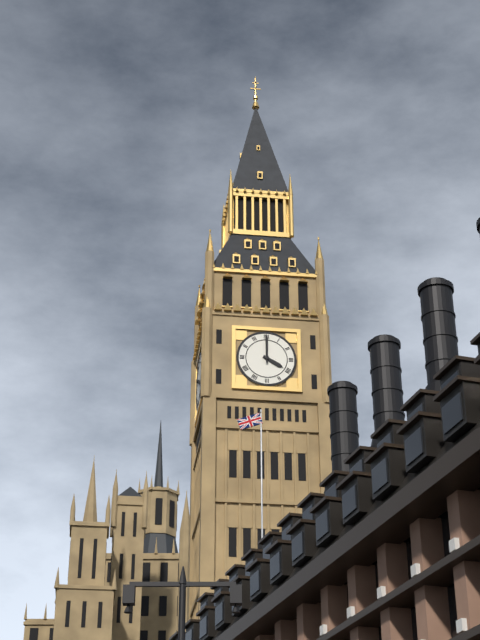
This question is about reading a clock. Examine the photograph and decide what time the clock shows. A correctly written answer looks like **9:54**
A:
**4:00**
